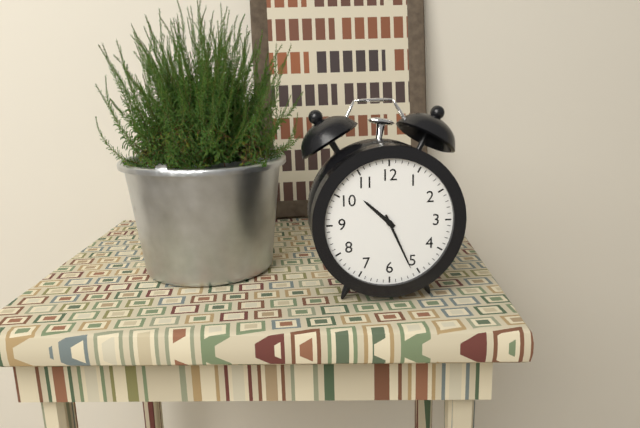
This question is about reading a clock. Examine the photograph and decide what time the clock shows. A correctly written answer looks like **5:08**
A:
**10:26**
